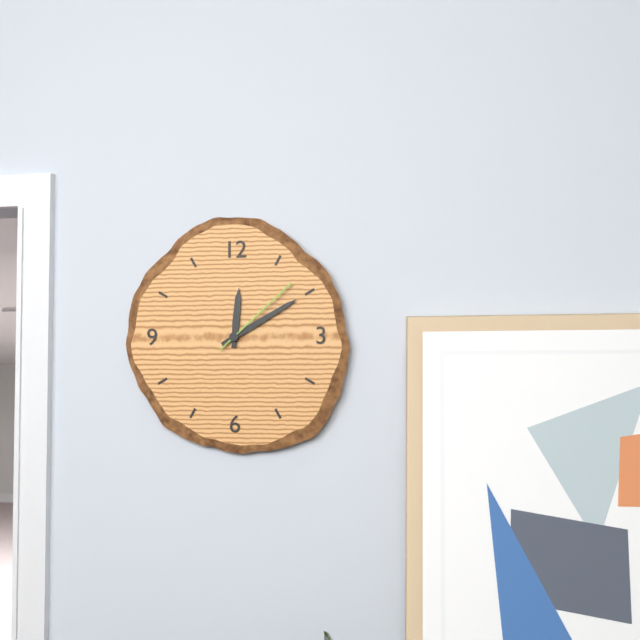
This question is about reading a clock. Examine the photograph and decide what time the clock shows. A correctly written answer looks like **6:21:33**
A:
**12:10:08**
